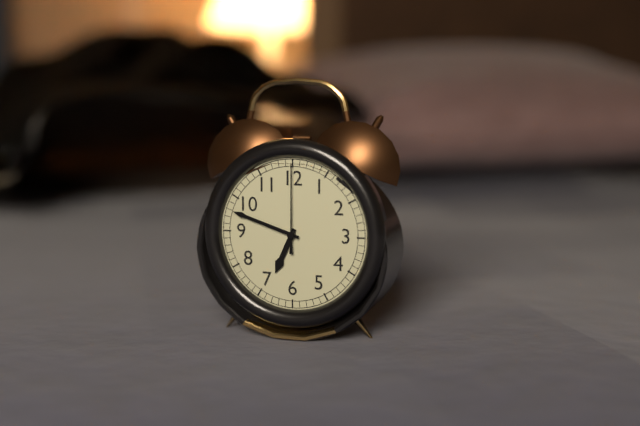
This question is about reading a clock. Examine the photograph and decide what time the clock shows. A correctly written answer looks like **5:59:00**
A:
**6:48:00**
